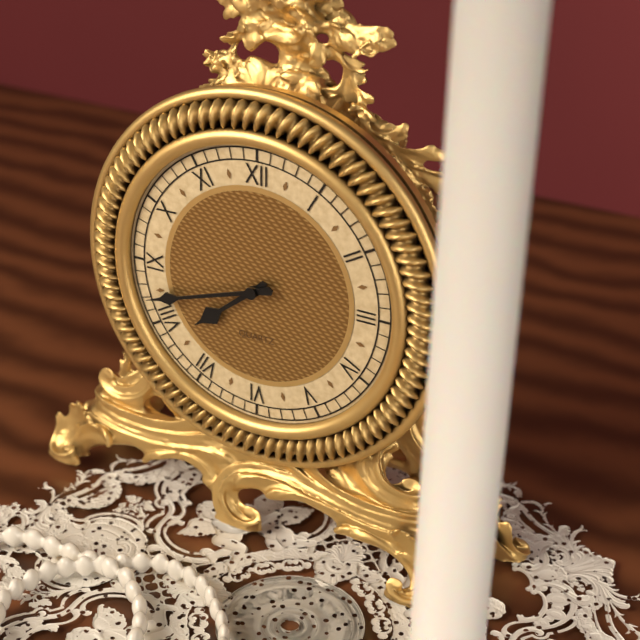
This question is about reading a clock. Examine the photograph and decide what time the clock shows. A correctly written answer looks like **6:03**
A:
**7:42**
